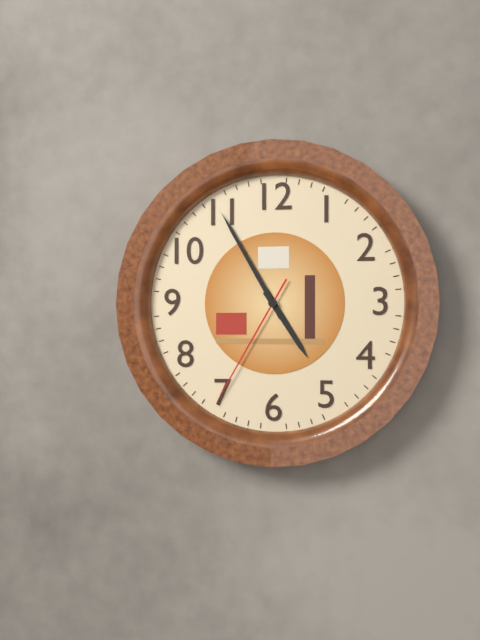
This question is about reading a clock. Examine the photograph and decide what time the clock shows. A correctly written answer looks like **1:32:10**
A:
**4:55:35**
